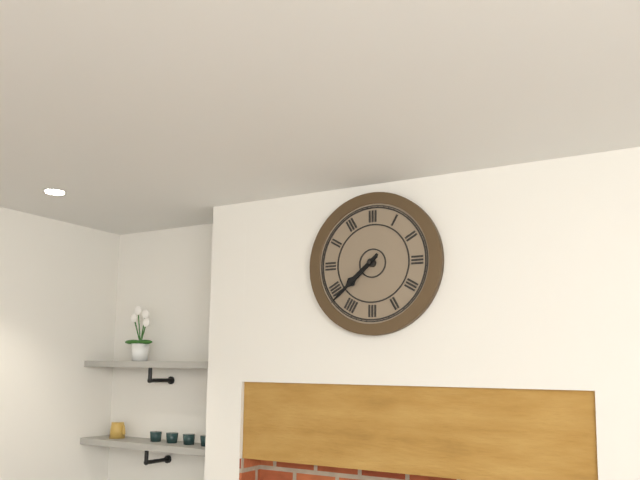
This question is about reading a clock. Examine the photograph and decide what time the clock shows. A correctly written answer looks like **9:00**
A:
**7:38**
